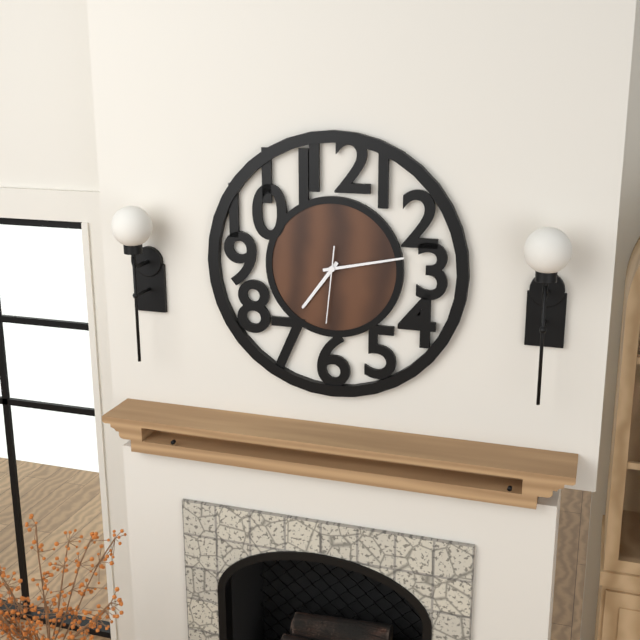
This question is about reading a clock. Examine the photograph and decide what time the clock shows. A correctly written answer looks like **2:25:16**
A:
**7:13:31**
